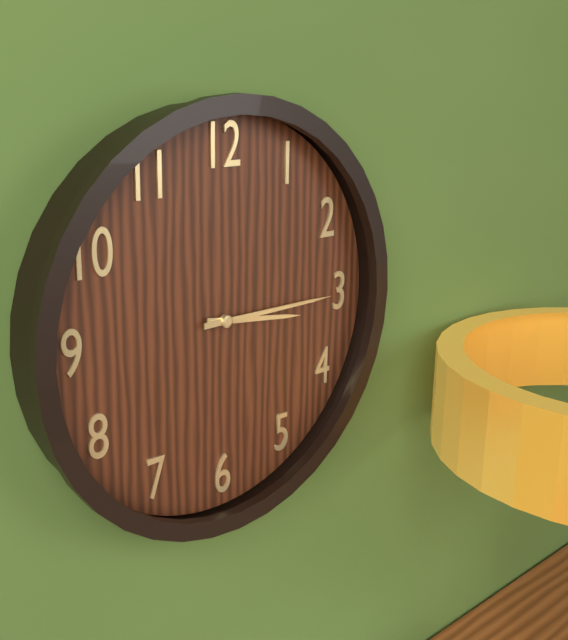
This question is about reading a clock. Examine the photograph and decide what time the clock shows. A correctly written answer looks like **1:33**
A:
**3:15**
